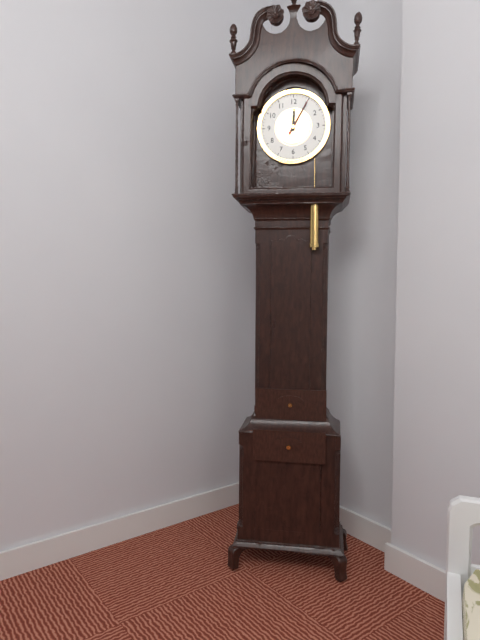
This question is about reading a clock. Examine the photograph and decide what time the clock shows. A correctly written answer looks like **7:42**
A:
**12:05**
